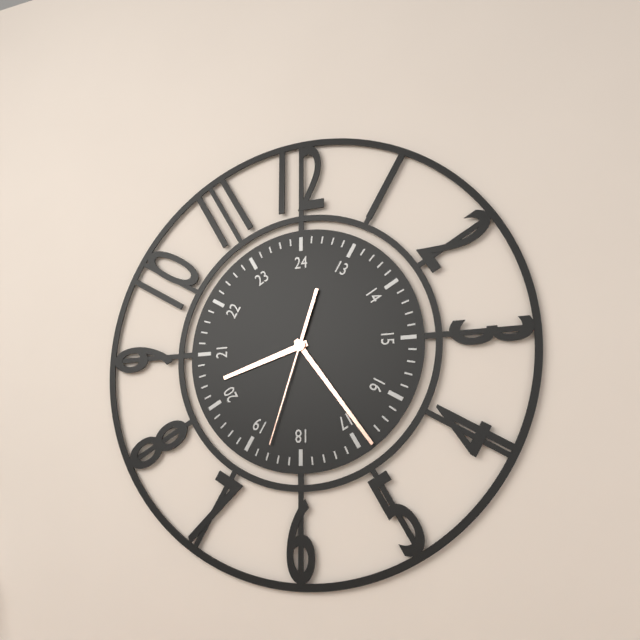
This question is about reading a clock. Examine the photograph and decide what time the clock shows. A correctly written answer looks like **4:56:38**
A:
**8:24:33**
